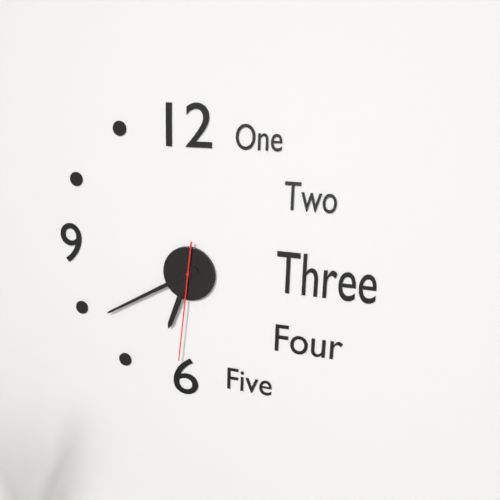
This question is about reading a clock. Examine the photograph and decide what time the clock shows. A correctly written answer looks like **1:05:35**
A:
**6:40:31**
